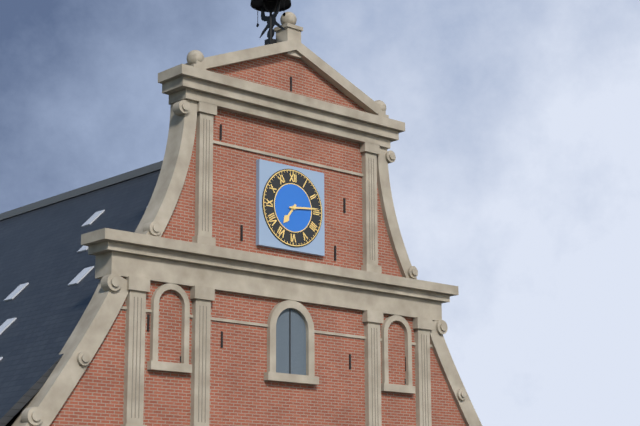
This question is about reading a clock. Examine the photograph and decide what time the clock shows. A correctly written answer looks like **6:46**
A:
**7:14**
